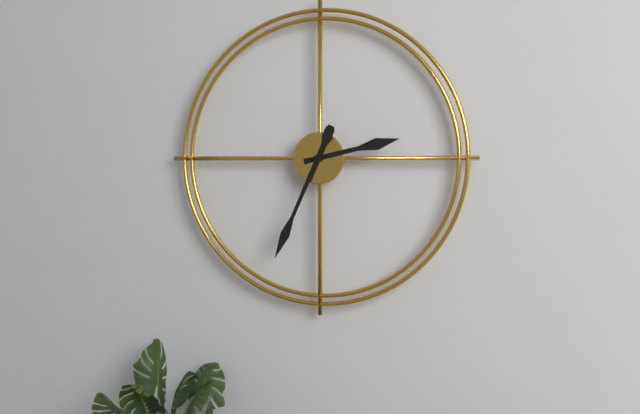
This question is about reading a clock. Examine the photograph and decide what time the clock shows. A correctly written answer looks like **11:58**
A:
**2:34**
